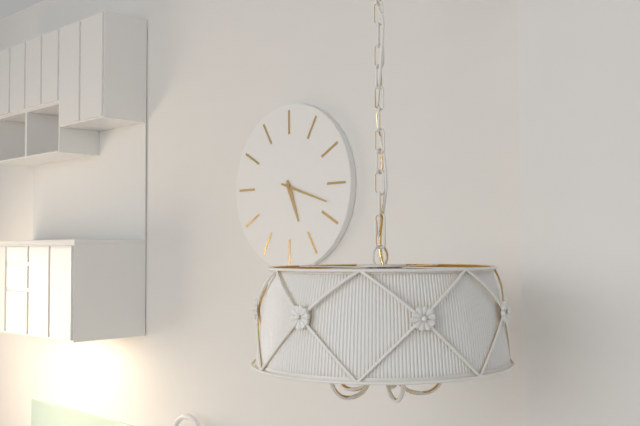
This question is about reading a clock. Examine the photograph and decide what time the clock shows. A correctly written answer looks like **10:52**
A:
**5:18**
